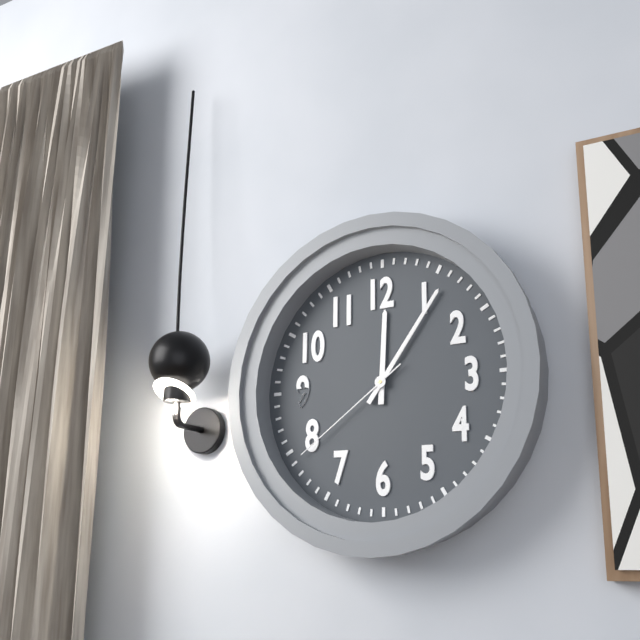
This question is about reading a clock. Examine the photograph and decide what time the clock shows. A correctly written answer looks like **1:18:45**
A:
**12:06:39**
